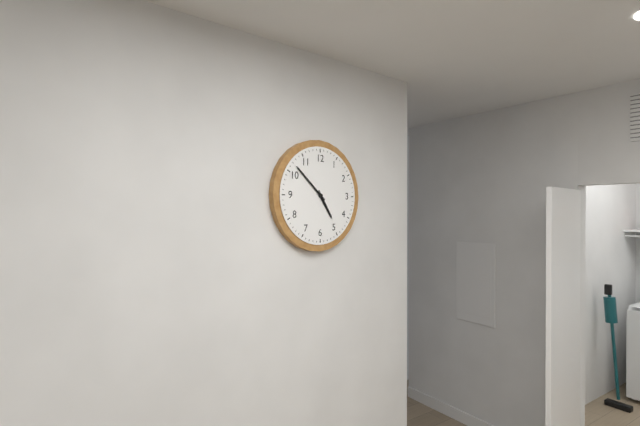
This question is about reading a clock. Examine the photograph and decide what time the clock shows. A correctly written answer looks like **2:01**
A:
**4:52**
